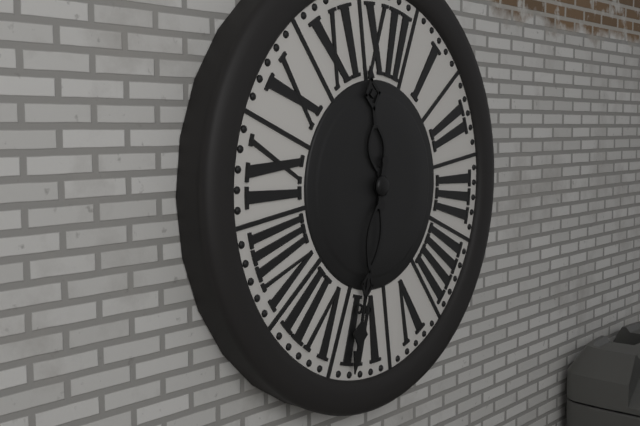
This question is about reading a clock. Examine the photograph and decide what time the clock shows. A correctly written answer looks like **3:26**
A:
**11:31**
